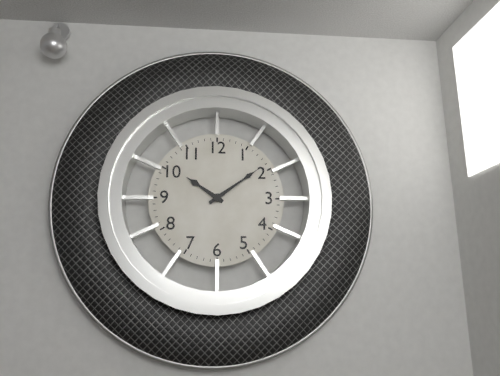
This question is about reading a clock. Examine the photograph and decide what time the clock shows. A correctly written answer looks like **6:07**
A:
**10:09**
